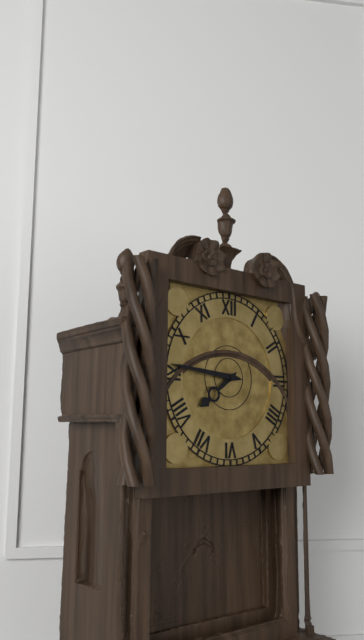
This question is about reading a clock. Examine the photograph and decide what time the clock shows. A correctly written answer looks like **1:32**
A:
**7:46**
